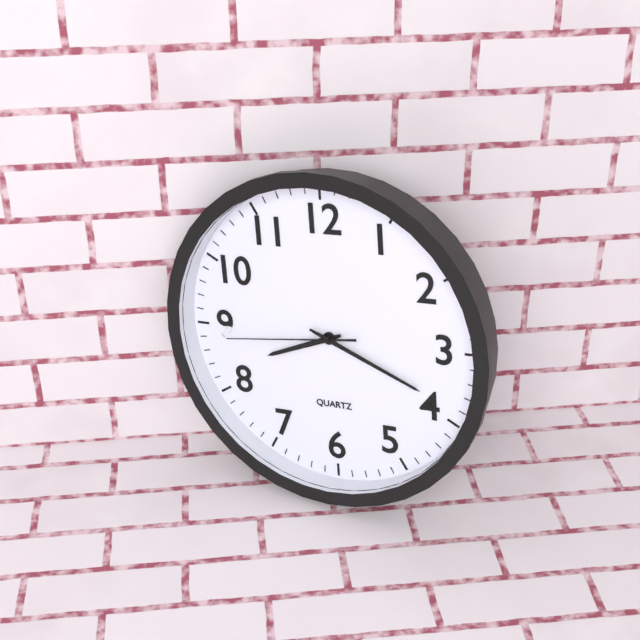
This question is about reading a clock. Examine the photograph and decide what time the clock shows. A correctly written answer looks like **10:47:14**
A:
**8:19:44**
